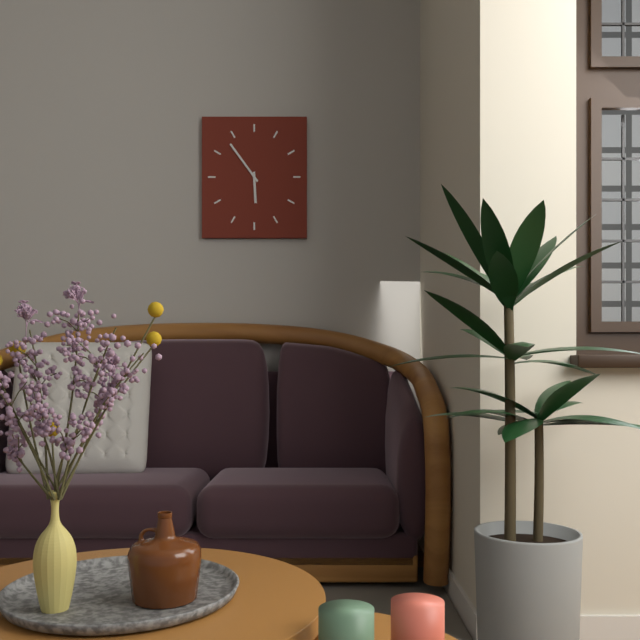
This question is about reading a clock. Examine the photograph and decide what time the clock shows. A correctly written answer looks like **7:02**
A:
**5:54**
